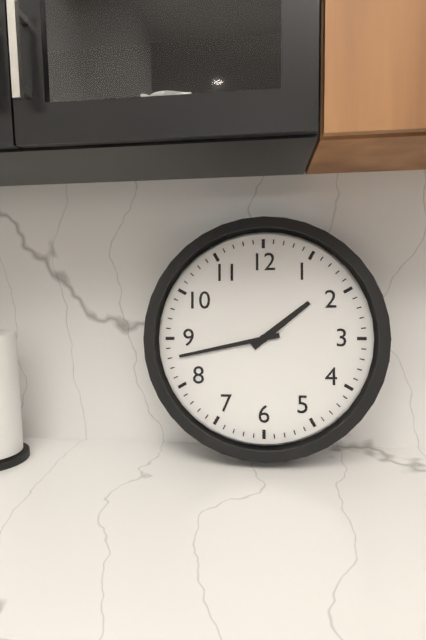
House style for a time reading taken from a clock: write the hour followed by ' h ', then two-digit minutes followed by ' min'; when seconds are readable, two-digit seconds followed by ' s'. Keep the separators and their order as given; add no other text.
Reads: 1 h 43 min
